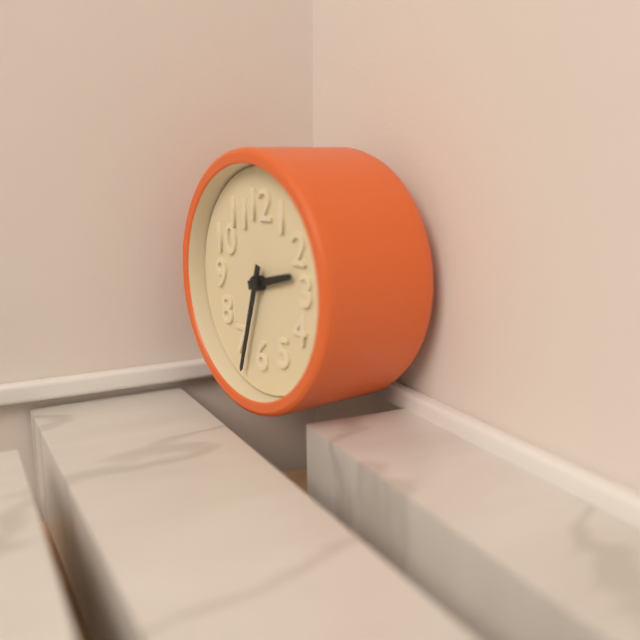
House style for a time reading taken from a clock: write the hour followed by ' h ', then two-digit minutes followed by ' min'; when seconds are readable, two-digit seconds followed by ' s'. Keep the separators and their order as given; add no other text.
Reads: 2 h 33 min
